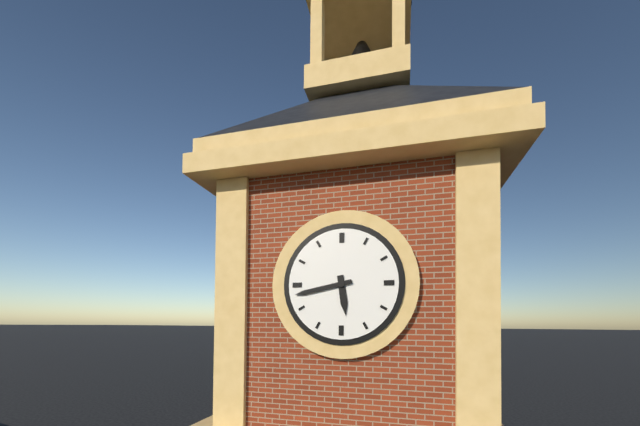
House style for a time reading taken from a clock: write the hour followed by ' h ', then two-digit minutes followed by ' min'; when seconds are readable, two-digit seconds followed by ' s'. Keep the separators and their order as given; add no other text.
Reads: 5 h 43 min
